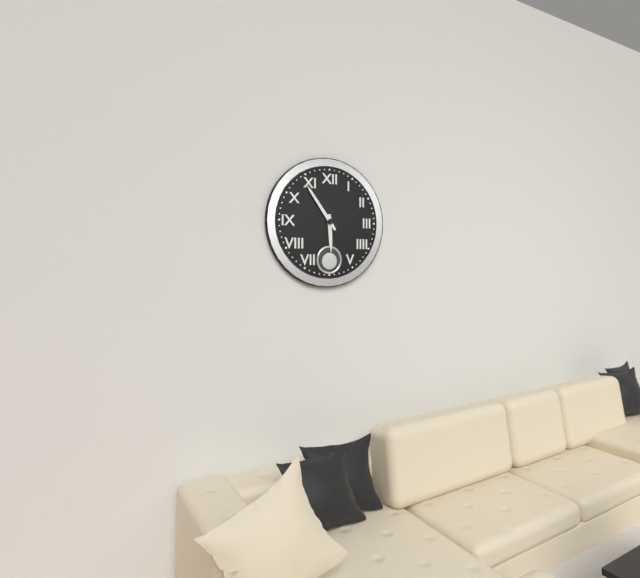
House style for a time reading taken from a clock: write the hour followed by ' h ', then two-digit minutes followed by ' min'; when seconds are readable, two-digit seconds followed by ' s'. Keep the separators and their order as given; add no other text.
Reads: 5 h 54 min
